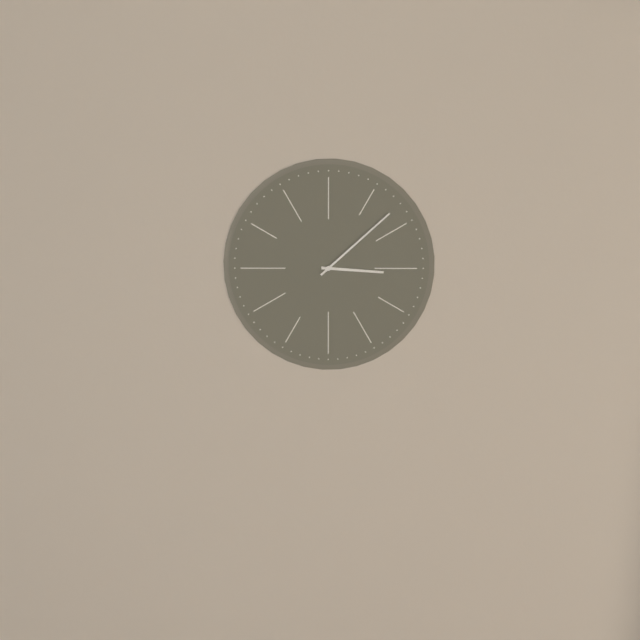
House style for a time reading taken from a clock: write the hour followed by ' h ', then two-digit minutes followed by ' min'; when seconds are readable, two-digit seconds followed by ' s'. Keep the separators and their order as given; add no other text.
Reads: 3 h 08 min
